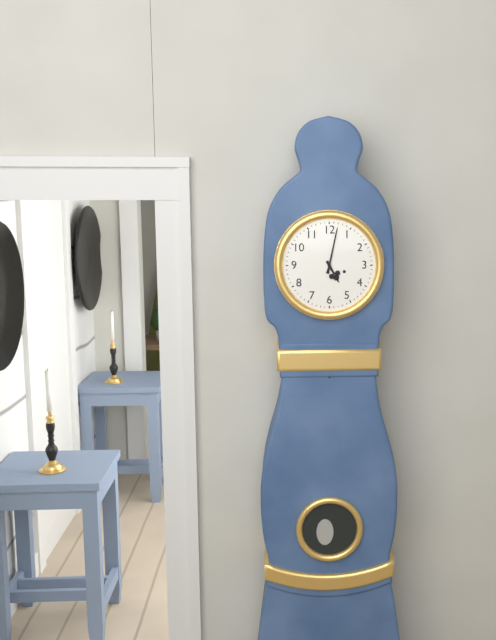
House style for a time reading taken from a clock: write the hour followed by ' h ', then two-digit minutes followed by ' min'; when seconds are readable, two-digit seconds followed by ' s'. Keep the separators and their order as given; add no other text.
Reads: 5 h 02 min
